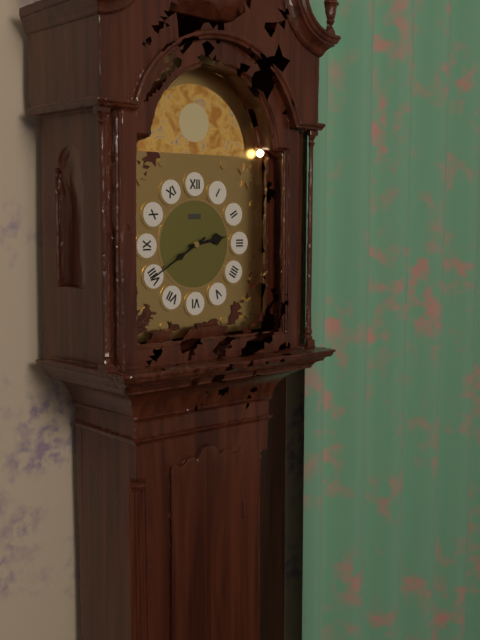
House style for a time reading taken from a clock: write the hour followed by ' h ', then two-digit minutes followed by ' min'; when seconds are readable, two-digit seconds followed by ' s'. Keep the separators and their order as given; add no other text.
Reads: 2 h 40 min
